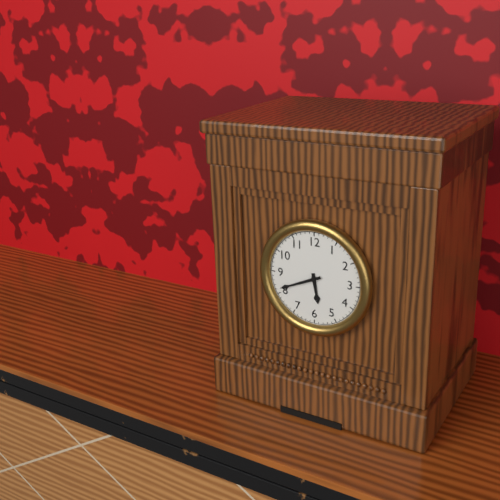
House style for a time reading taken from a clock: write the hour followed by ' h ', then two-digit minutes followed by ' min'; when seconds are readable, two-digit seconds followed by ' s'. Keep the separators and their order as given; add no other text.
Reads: 5 h 41 min
